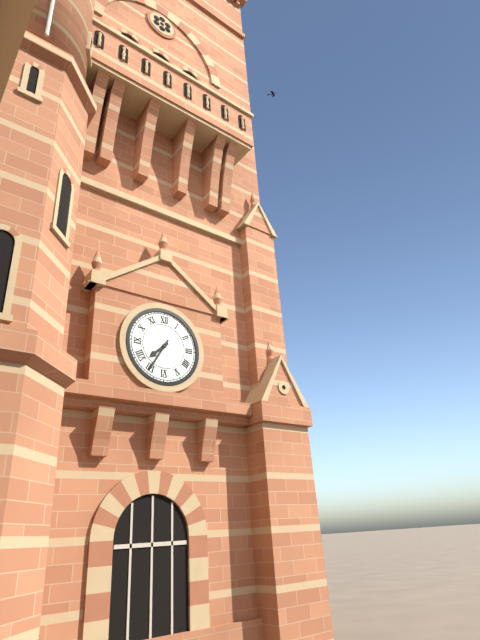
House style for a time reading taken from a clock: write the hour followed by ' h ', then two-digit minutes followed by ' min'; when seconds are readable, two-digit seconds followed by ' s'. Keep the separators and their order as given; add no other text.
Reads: 7 h 35 min
